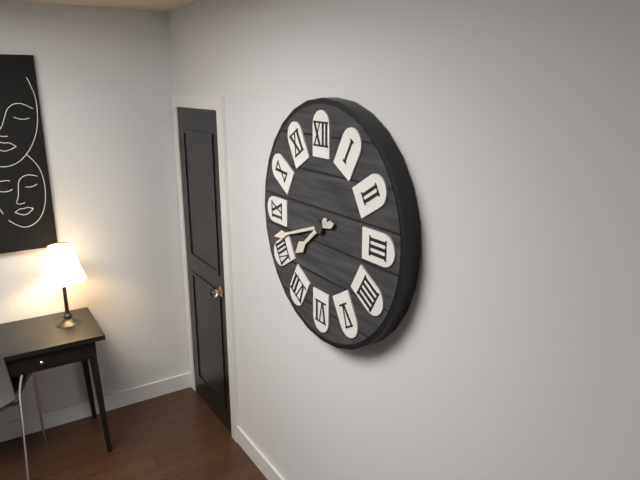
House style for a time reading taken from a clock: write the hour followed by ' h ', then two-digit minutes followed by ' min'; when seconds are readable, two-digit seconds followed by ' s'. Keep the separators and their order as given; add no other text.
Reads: 7 h 42 min
